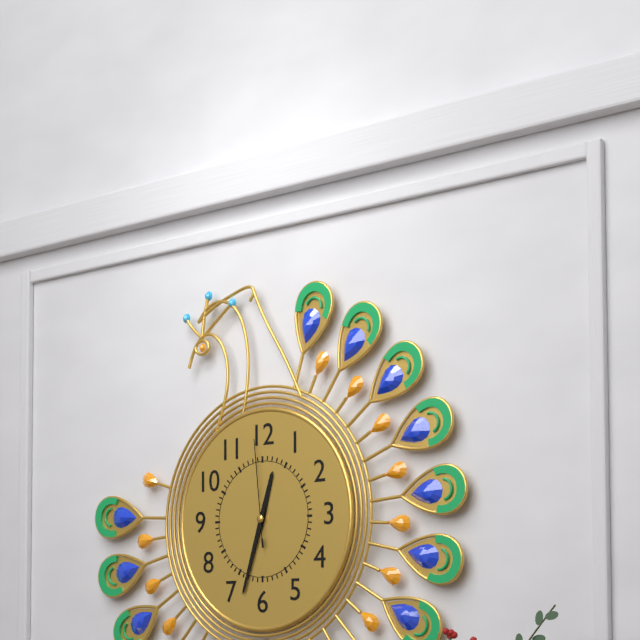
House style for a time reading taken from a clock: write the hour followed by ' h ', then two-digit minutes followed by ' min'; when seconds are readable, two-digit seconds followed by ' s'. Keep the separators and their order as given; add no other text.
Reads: 12 h 33 min 59 s
